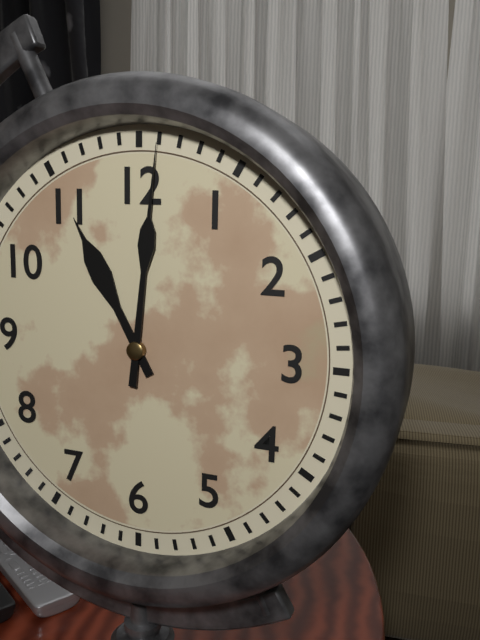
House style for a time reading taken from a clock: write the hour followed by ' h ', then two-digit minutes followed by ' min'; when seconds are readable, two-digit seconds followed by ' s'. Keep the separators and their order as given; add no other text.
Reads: 11 h 01 min
